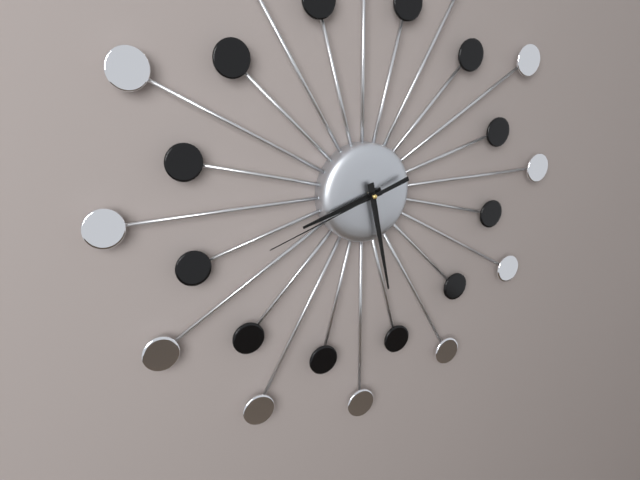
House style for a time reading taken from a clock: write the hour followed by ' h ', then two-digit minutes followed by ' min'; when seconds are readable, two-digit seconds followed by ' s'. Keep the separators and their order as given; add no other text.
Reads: 8 h 28 min 42 s
